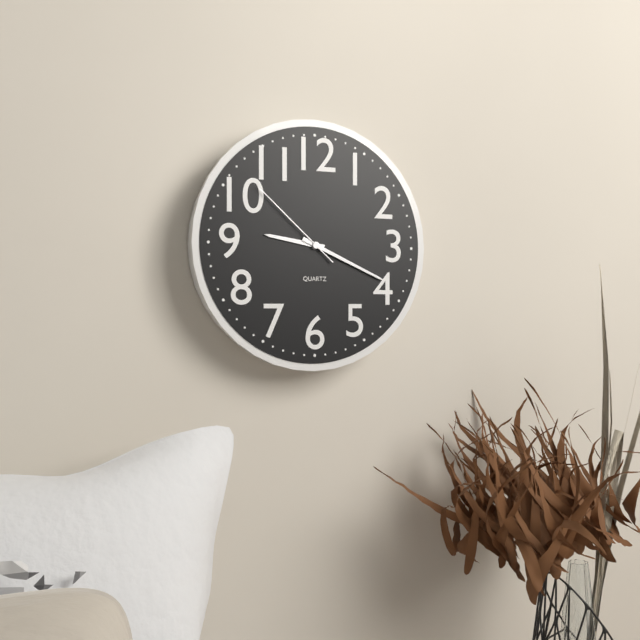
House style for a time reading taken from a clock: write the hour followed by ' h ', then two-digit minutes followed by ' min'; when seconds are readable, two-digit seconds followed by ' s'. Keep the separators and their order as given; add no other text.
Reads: 9 h 19 min 52 s
